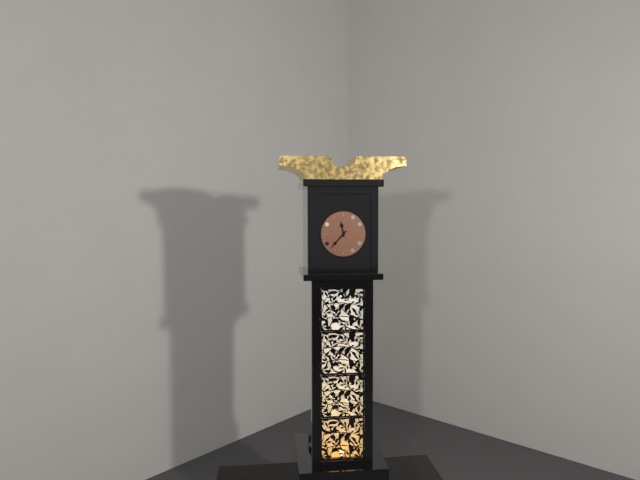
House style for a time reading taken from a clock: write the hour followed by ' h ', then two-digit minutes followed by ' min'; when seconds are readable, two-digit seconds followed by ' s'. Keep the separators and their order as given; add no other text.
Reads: 11 h 37 min
